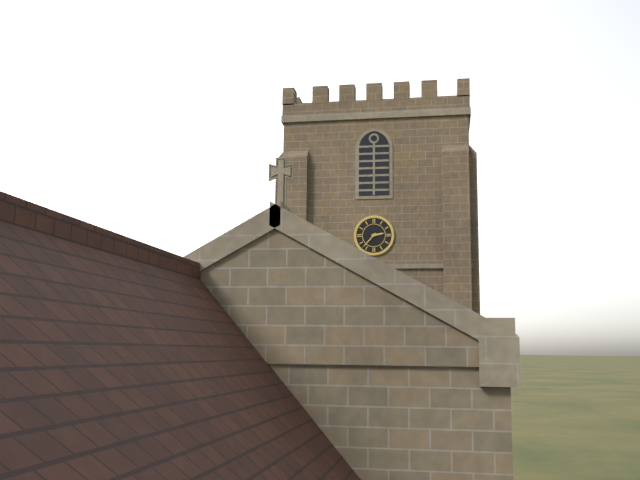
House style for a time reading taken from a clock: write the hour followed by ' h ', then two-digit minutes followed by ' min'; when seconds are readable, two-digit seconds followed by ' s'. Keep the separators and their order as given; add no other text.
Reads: 2 h 37 min
